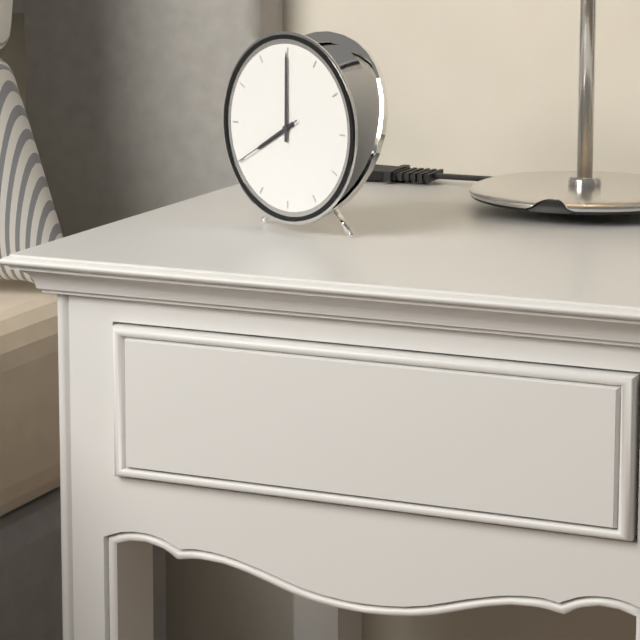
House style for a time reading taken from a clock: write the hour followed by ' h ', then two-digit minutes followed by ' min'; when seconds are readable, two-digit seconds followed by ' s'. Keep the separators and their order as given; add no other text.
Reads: 8 h 00 min 40 s
